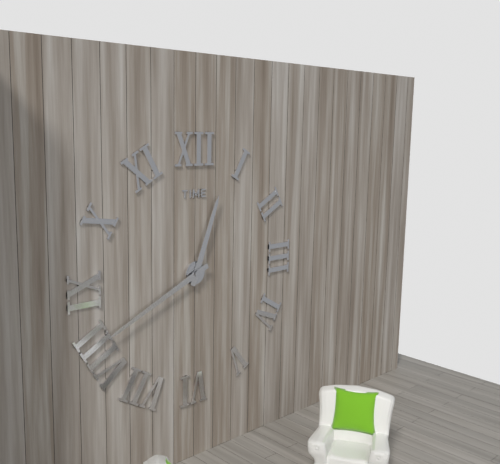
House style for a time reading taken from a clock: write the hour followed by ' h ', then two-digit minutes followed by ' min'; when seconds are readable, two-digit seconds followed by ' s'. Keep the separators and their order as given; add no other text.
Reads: 12 h 41 min
